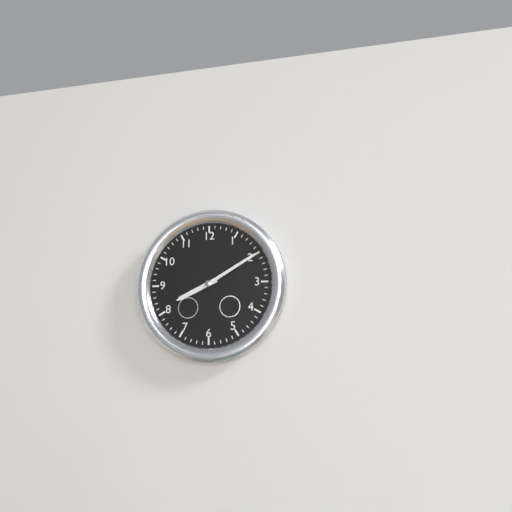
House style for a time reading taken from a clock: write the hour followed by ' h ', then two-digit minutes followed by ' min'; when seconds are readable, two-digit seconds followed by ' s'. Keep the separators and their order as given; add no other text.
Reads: 8 h 10 min
